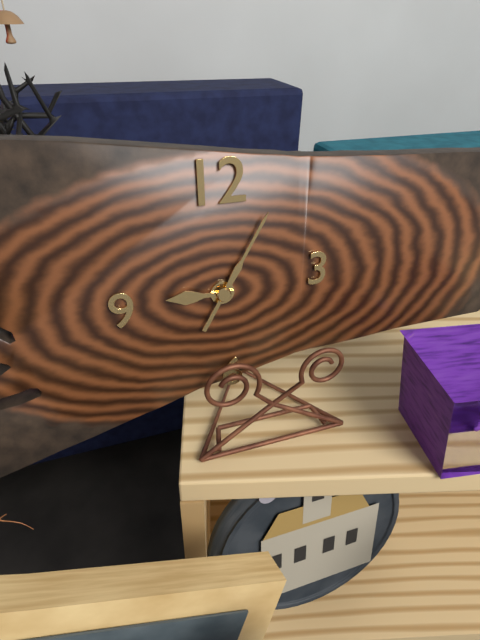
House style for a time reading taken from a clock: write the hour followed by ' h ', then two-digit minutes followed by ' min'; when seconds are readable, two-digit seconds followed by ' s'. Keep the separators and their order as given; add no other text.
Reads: 9 h 05 min
